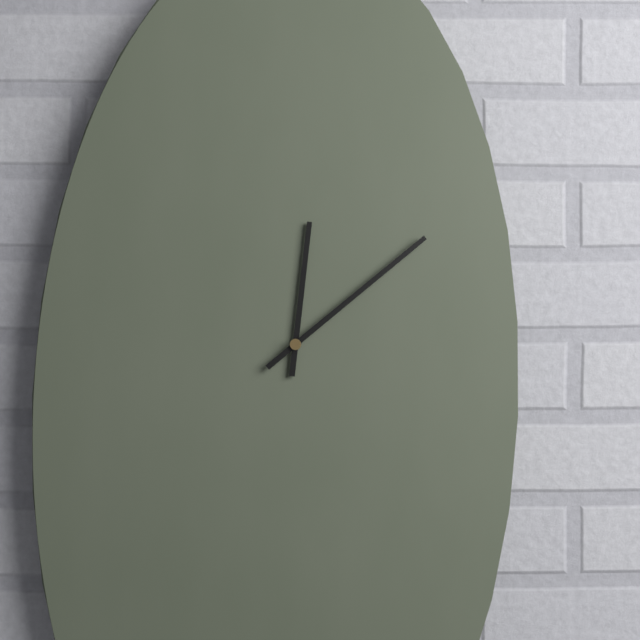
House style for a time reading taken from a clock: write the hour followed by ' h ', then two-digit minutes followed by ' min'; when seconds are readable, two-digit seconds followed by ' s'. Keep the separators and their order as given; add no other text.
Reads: 12 h 08 min
